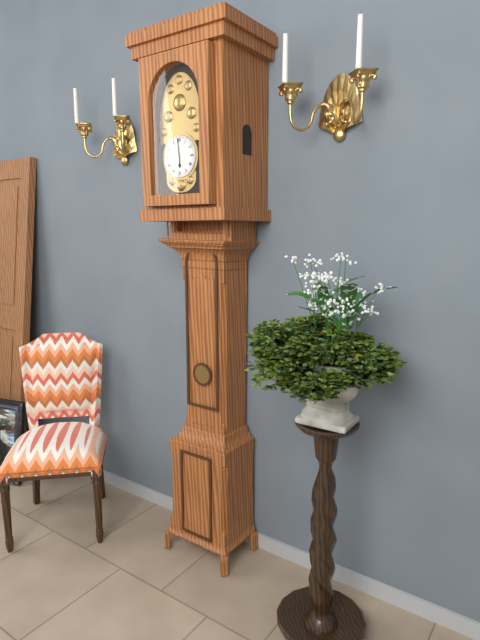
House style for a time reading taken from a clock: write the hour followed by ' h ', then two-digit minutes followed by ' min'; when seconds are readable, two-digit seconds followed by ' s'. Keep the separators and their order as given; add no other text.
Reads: 5 h 59 min
